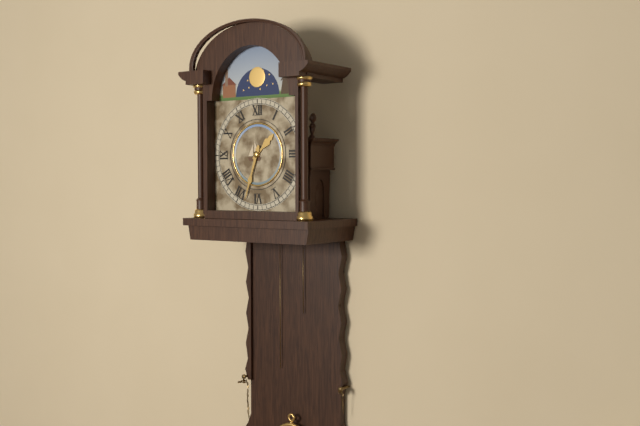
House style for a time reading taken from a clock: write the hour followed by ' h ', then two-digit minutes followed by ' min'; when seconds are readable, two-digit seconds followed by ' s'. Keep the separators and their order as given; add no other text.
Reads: 1 h 33 min
